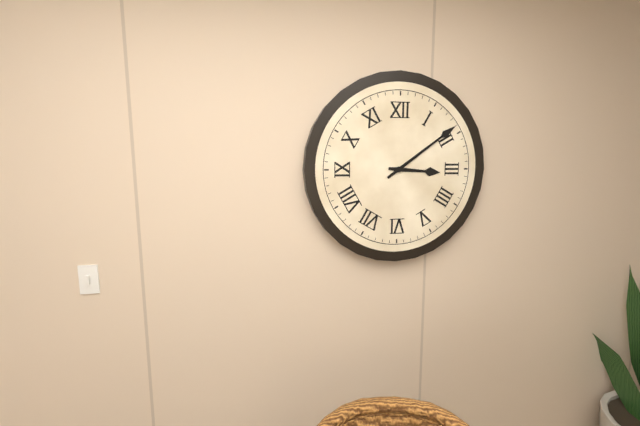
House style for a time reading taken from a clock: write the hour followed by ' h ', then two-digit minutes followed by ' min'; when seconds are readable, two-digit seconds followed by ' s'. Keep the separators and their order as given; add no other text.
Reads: 3 h 09 min
